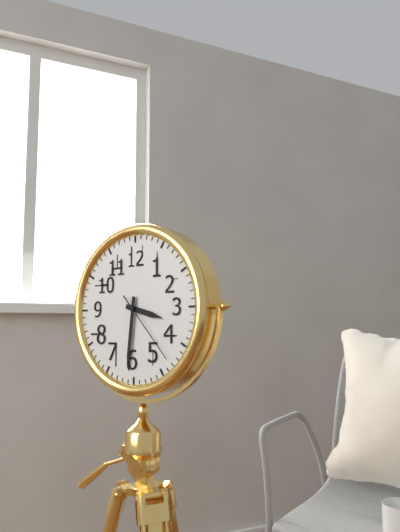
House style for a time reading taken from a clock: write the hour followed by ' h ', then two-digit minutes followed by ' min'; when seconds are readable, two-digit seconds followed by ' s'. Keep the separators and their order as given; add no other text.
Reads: 3 h 31 min 23 s
